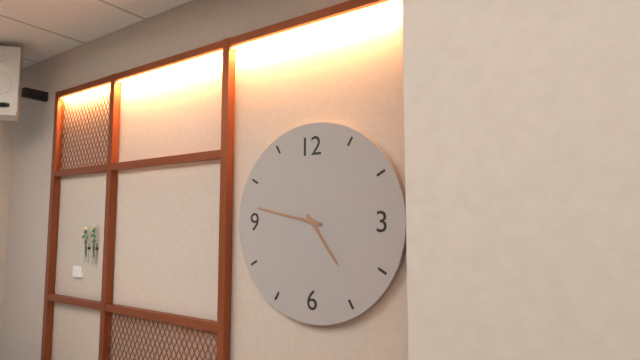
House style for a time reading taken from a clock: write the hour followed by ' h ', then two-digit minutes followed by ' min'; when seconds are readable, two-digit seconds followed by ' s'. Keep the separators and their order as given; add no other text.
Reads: 4 h 47 min
